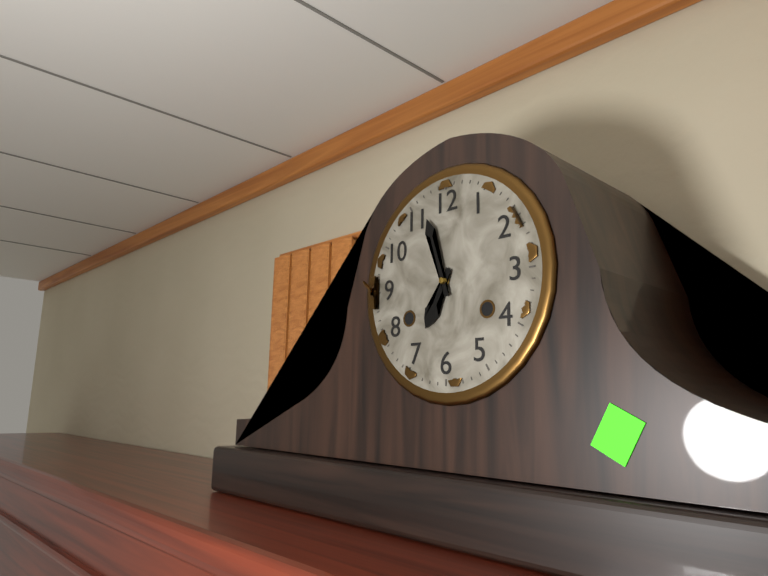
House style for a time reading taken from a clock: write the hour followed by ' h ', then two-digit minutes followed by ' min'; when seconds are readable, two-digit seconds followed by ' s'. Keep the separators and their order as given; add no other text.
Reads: 6 h 57 min
